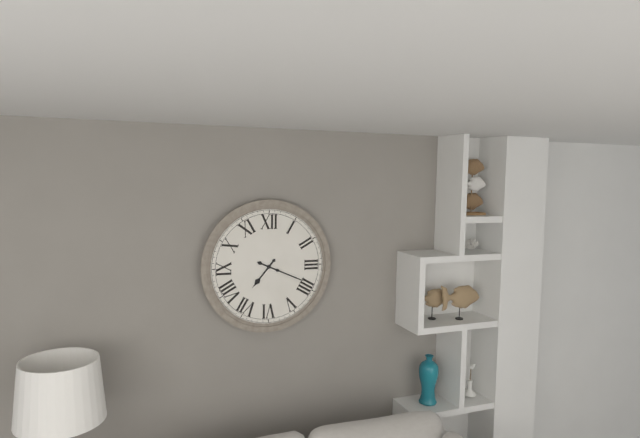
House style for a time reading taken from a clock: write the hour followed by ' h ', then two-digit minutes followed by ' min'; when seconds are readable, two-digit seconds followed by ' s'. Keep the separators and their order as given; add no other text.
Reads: 7 h 19 min
